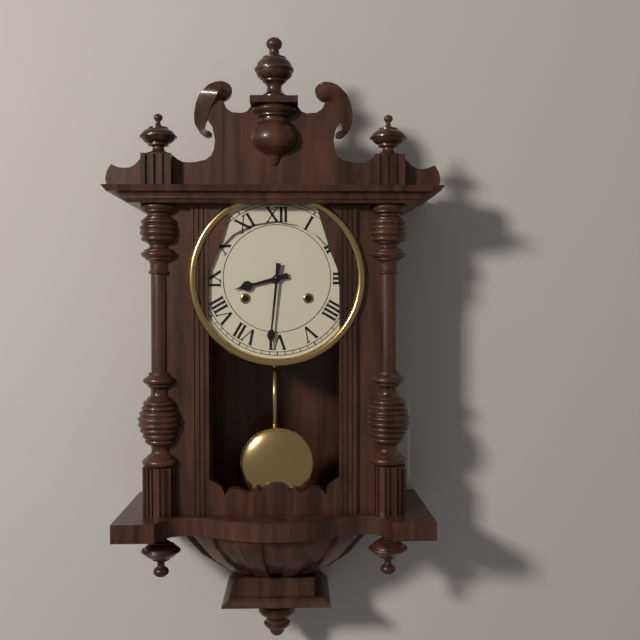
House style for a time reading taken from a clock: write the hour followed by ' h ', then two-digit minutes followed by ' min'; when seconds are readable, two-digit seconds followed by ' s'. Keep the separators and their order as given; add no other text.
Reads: 8 h 31 min
